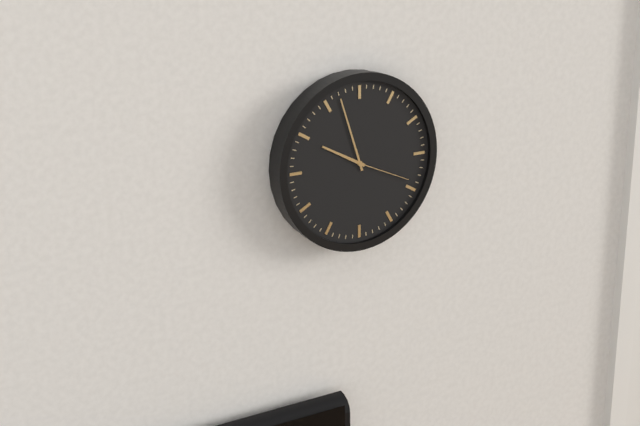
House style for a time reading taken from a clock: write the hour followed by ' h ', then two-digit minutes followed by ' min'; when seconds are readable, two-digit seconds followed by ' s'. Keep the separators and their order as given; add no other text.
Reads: 9 h 57 min 19 s
